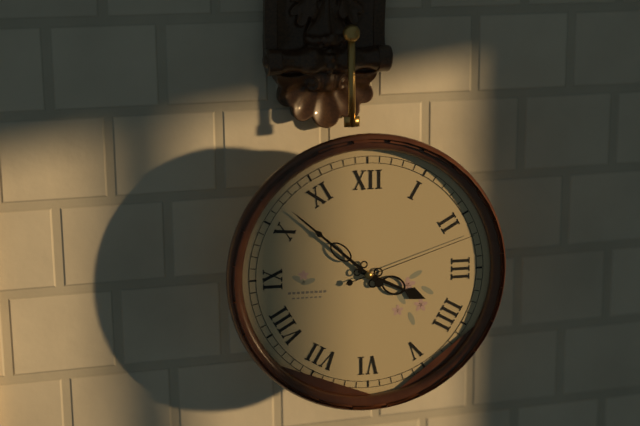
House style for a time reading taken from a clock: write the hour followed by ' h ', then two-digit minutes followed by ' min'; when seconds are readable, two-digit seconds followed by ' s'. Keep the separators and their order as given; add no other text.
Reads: 3 h 52 min 12 s
